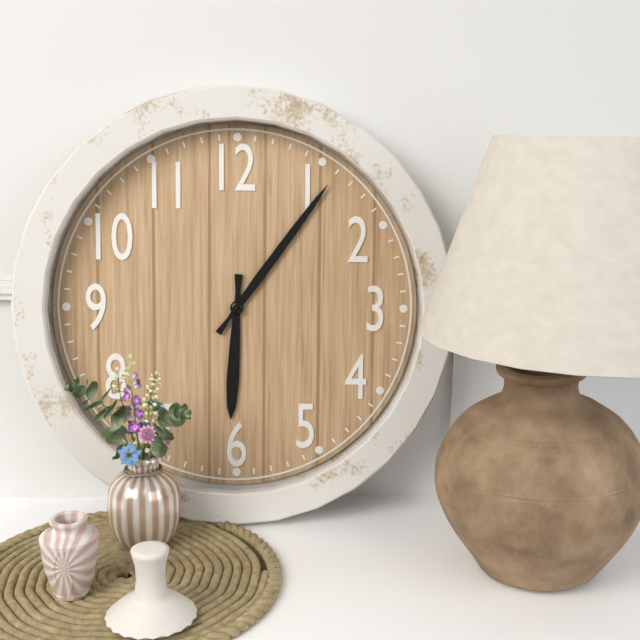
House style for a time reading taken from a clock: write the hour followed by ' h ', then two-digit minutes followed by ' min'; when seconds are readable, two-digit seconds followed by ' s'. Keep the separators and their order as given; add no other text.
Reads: 6 h 06 min
